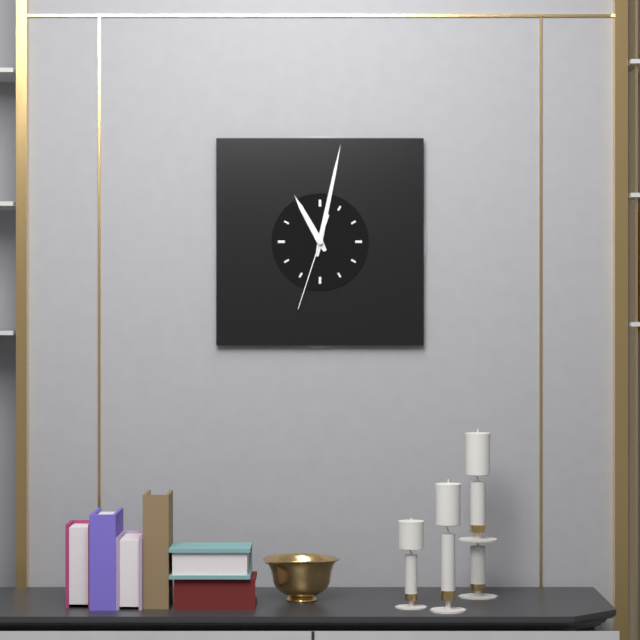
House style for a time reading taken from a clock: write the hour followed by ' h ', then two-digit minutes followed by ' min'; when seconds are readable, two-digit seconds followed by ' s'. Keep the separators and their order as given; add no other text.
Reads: 11 h 02 min 33 s
